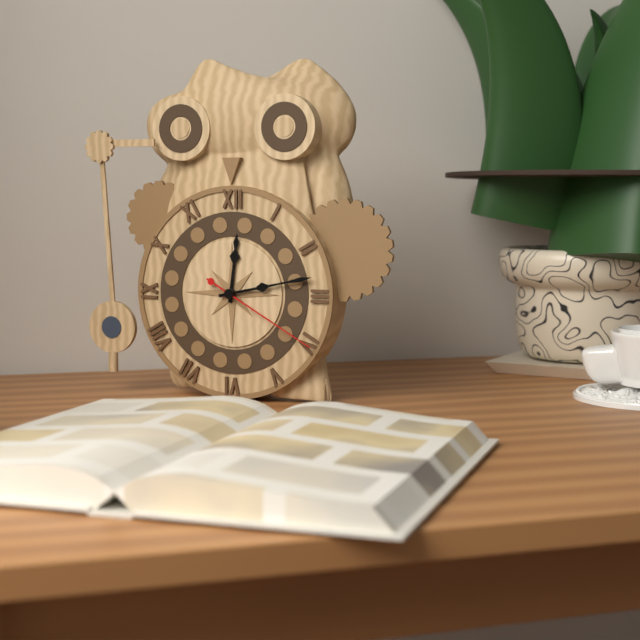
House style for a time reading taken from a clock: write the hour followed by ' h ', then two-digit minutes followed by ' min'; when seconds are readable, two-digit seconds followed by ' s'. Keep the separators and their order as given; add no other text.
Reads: 12 h 13 min 20 s
